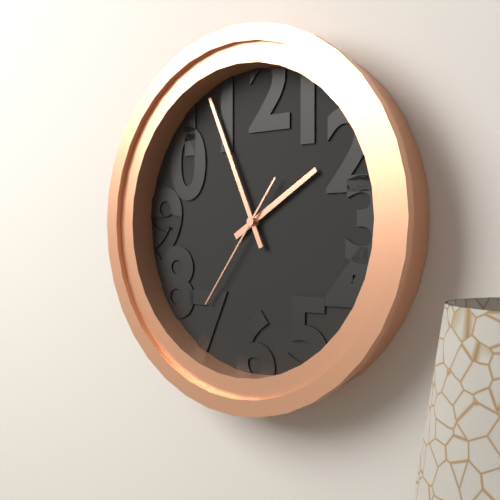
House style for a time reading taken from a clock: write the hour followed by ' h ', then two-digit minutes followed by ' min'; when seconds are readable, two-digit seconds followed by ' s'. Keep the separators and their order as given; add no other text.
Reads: 1 h 56 min 36 s
